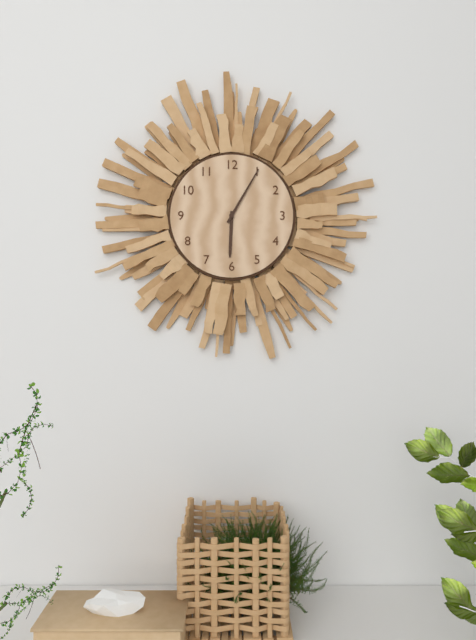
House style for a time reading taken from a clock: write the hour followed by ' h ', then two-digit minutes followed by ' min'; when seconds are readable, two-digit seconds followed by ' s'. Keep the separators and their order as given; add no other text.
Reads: 6 h 05 min
